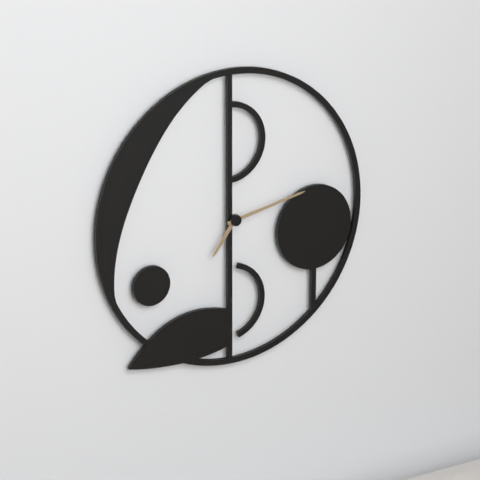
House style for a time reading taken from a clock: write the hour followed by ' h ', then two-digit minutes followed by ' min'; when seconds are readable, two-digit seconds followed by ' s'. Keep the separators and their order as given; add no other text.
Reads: 7 h 13 min
